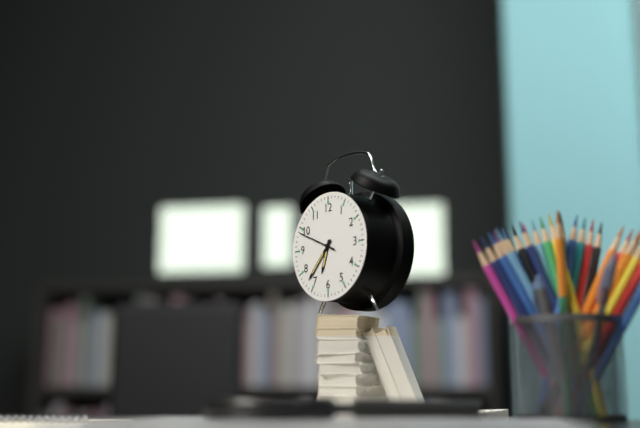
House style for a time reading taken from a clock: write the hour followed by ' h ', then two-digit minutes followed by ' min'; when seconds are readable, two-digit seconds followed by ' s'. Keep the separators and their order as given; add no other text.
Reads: 6 h 37 min
